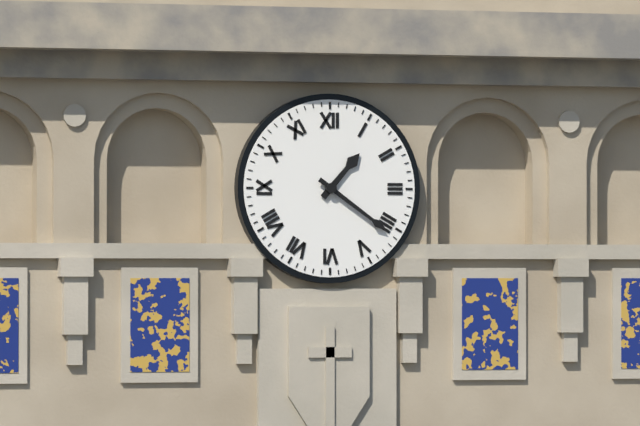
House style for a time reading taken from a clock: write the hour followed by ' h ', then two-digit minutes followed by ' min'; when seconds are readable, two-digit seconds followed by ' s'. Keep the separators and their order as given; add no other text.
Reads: 1 h 21 min
